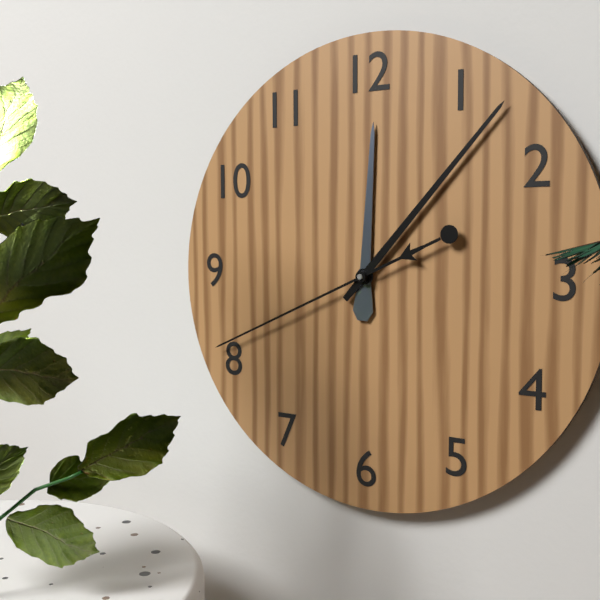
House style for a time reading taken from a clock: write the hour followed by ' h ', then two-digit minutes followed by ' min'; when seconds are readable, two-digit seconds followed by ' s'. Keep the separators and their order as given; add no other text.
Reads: 12 h 07 min 41 s
